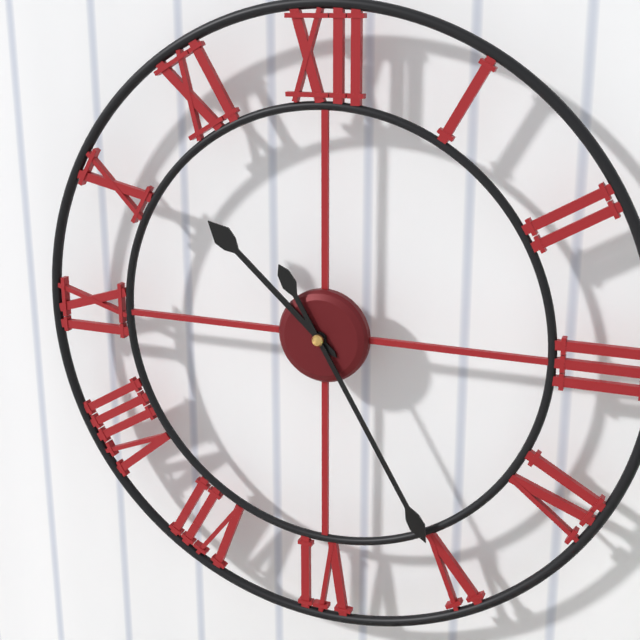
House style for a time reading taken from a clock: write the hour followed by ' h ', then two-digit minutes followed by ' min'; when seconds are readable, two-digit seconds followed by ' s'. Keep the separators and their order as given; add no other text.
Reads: 10 h 25 min
